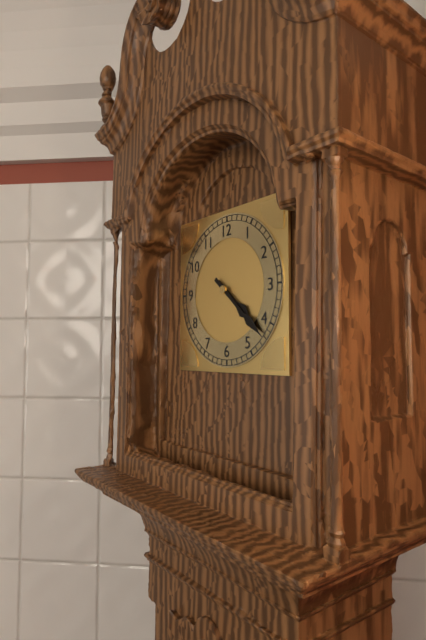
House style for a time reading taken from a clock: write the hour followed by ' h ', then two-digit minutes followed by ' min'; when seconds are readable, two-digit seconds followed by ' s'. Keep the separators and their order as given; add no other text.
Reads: 4 h 22 min
